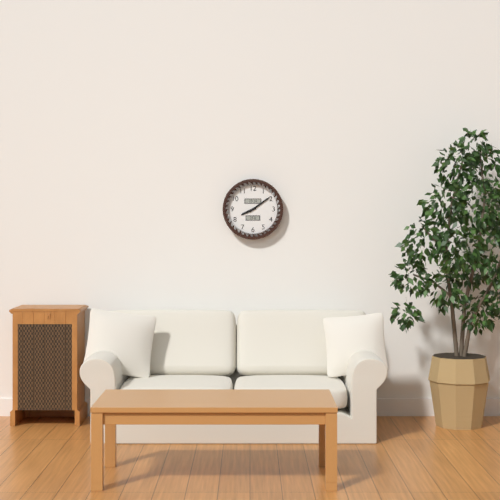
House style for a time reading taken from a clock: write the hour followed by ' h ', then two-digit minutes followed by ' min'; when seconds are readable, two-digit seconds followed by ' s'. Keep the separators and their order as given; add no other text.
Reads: 8 h 09 min
